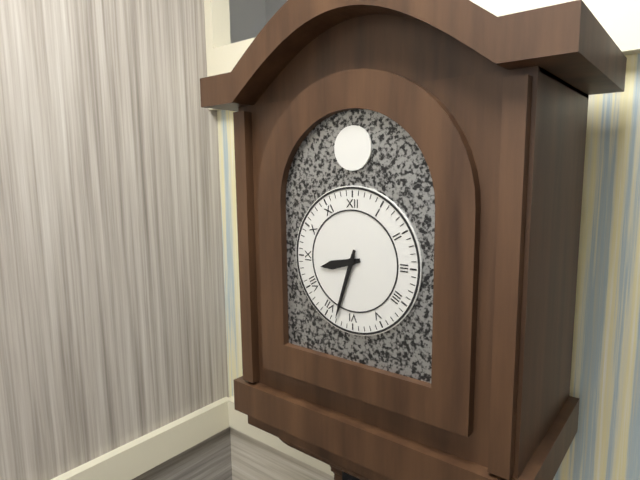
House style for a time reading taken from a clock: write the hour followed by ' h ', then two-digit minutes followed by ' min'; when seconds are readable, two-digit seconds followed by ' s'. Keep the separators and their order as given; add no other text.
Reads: 8 h 33 min
